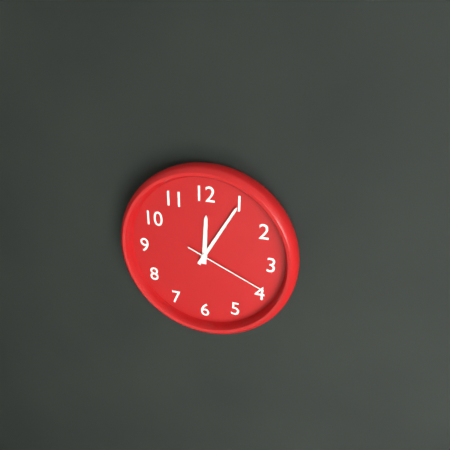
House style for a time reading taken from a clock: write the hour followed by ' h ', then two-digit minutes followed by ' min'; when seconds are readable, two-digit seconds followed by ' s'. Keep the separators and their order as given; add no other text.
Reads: 12 h 05 min 19 s
